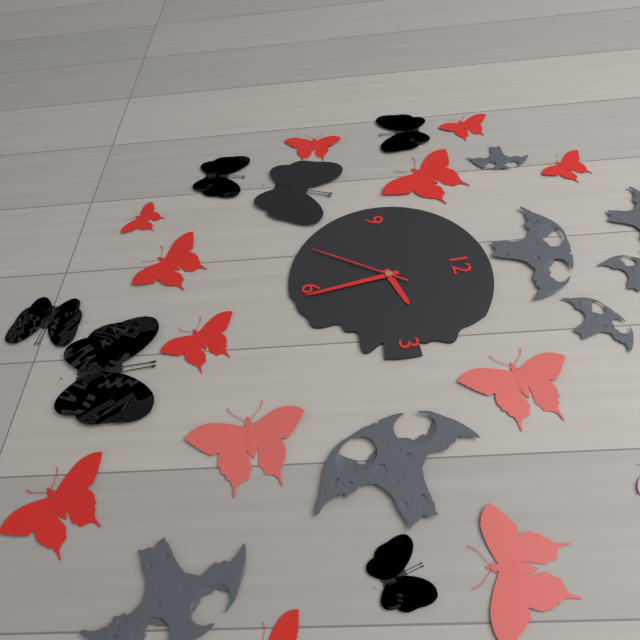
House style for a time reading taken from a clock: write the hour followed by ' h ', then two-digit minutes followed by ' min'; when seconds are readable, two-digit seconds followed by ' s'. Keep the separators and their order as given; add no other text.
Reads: 2 h 29 min 36 s
